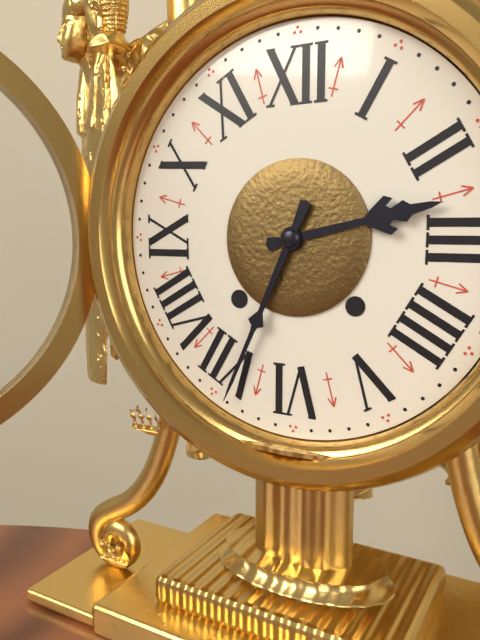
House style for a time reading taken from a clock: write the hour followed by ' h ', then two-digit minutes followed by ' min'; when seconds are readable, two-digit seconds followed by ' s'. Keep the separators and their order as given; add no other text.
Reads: 2 h 34 min
